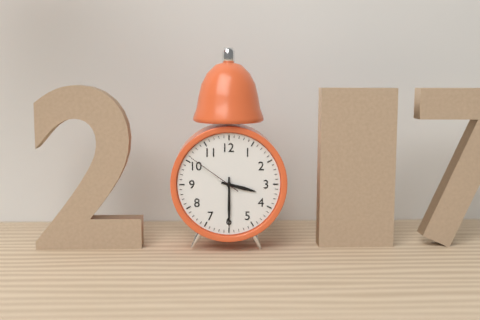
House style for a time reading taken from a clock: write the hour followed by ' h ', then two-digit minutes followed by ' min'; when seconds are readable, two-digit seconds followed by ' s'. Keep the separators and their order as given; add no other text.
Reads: 3 h 30 min 51 s
